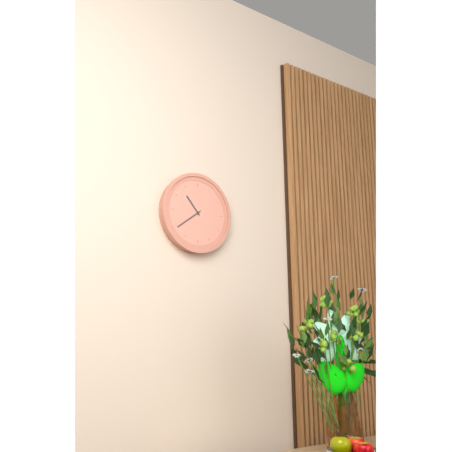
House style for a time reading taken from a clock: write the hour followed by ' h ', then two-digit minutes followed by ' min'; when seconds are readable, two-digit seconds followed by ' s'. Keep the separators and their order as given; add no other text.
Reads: 10 h 39 min
